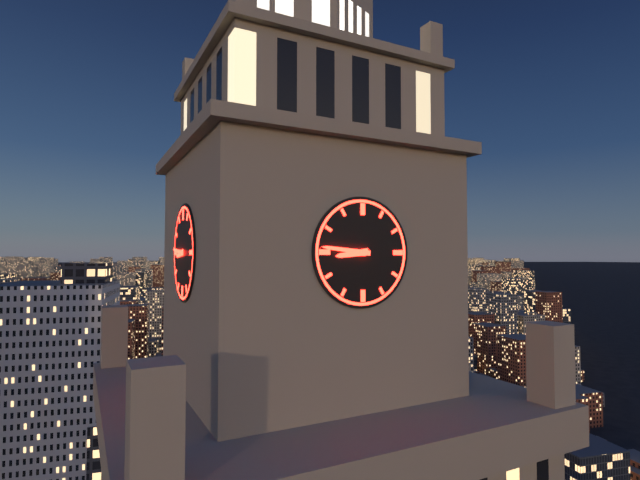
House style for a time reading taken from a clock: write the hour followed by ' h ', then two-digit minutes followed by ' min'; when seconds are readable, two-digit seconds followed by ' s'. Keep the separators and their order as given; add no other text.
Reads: 8 h 46 min
